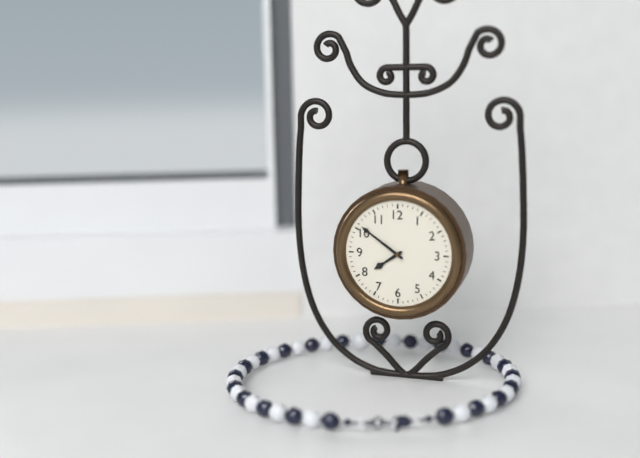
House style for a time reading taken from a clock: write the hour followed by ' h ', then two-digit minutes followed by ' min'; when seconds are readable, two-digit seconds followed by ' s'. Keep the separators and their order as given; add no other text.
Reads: 7 h 51 min
